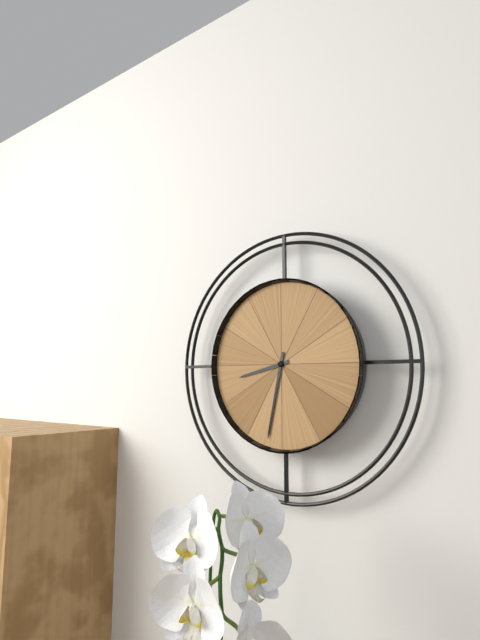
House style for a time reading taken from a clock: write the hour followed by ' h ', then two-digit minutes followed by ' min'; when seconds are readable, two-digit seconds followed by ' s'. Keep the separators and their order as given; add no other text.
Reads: 8 h 32 min
